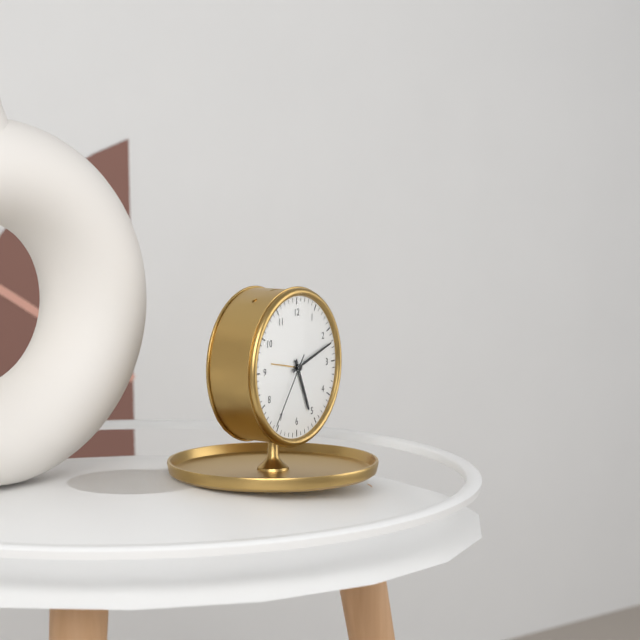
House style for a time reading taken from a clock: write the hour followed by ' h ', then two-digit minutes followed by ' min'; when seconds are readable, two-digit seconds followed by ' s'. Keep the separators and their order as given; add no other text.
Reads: 5 h 12 min 36 s
